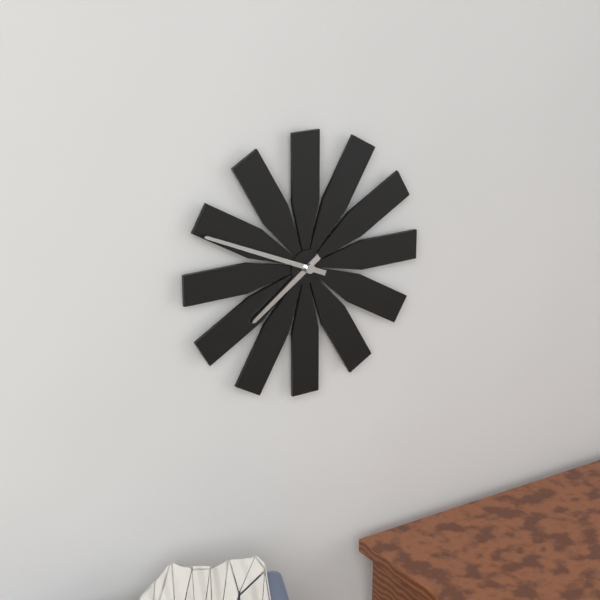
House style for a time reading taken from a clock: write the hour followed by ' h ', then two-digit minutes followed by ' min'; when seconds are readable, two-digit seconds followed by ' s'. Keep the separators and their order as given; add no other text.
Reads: 7 h 49 min
